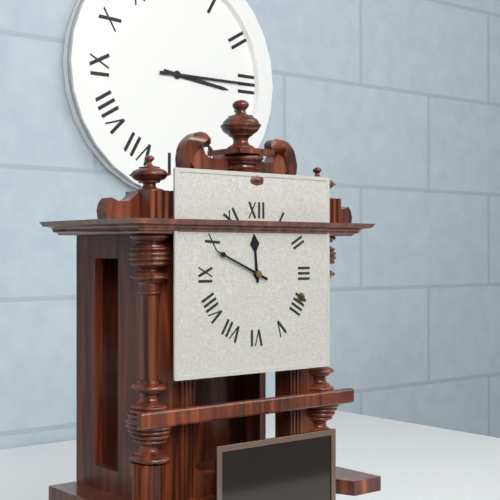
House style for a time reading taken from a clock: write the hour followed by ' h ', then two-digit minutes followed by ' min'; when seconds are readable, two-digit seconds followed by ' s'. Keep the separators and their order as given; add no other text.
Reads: 11 h 49 min
